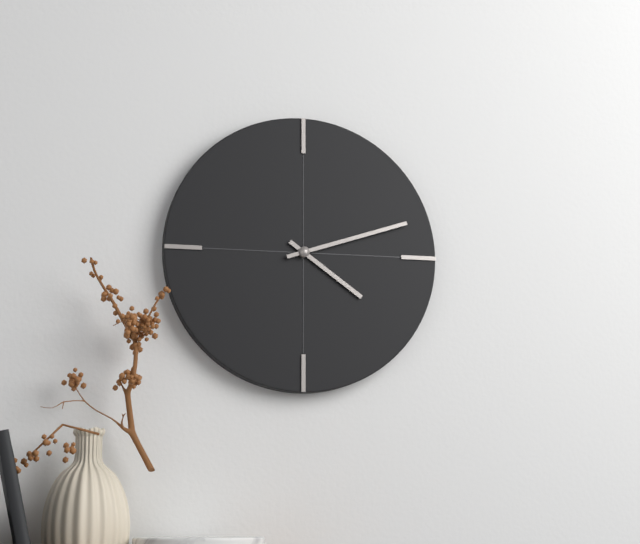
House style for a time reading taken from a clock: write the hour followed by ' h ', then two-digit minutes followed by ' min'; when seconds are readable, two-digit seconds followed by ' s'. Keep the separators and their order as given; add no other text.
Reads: 4 h 12 min
